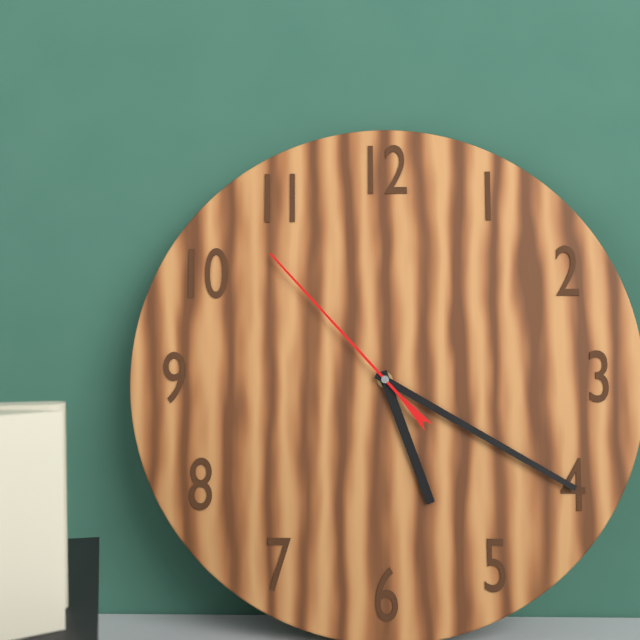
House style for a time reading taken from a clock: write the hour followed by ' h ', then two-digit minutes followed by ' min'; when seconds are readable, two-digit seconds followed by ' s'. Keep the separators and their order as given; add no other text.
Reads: 5 h 20 min 53 s
